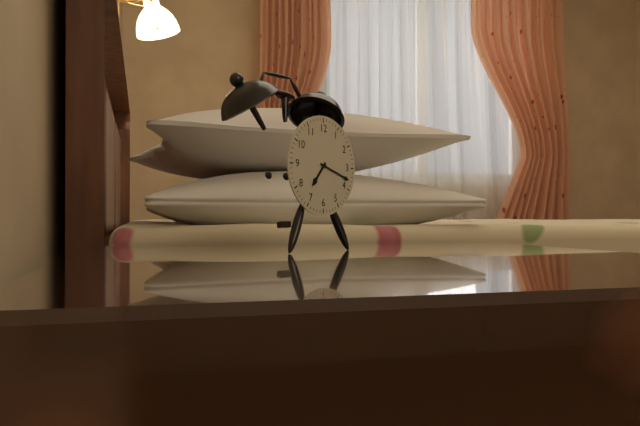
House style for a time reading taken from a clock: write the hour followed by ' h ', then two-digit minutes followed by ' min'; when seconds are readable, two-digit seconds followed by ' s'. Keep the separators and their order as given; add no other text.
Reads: 7 h 18 min
